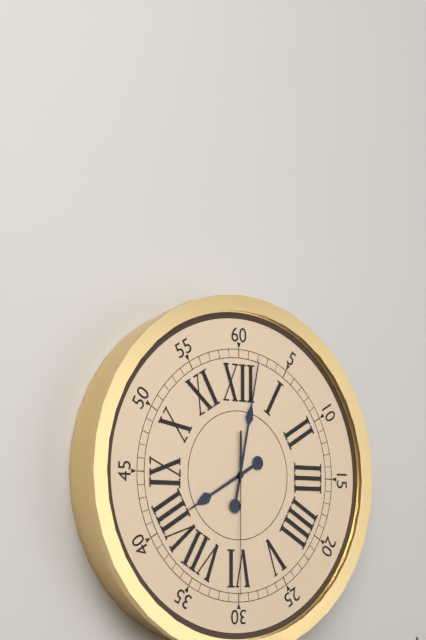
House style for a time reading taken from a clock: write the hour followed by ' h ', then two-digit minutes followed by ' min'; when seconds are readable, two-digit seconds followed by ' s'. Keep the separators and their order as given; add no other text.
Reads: 8 h 02 min 30 s
